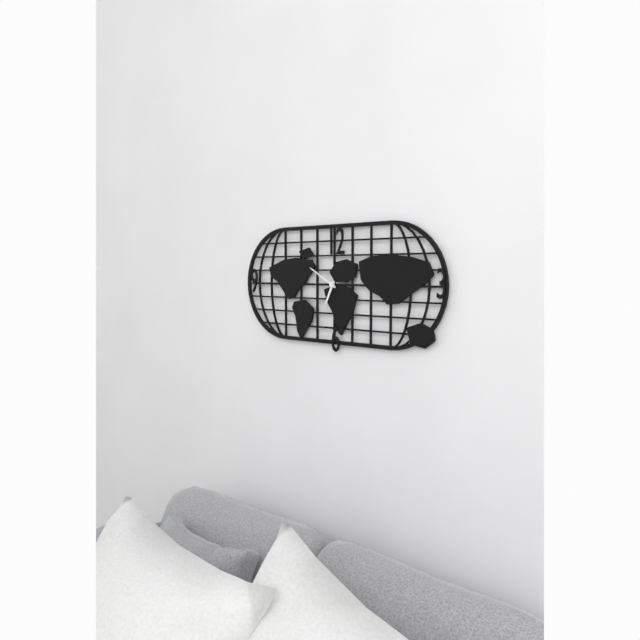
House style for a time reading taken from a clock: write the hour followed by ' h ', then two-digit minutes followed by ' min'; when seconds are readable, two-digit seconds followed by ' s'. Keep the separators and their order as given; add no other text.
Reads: 6 h 50 min
